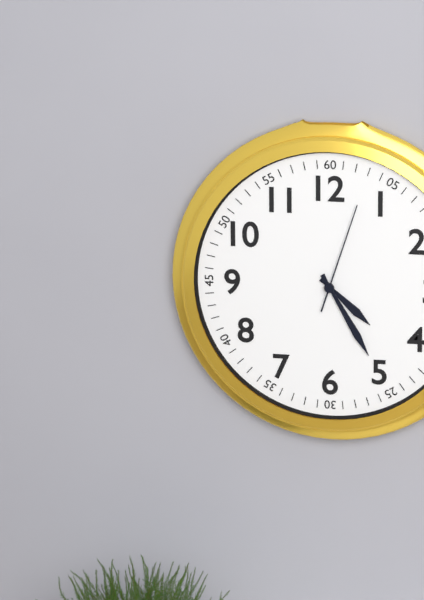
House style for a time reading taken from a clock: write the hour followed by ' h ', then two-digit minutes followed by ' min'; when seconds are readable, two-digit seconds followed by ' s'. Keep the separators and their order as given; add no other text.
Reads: 4 h 25 min 03 s
